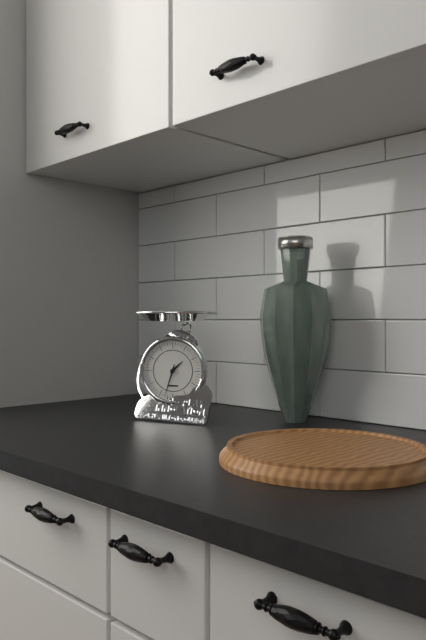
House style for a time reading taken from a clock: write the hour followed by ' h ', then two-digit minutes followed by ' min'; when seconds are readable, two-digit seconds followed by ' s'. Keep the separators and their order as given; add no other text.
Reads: 1 h 33 min
